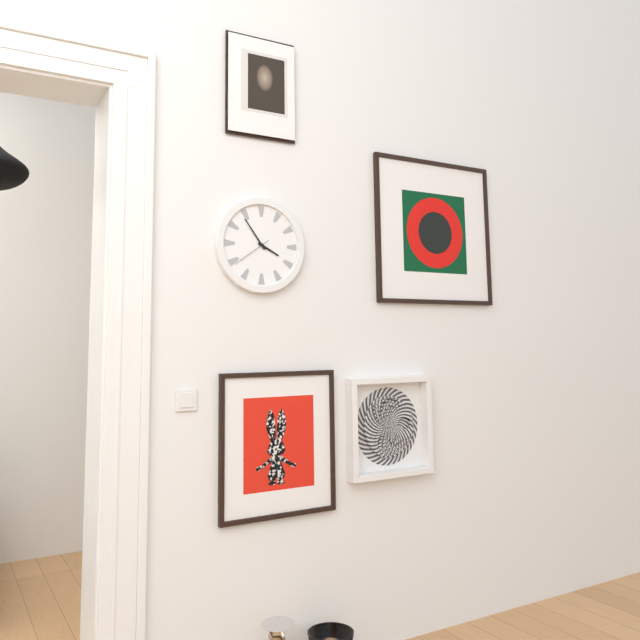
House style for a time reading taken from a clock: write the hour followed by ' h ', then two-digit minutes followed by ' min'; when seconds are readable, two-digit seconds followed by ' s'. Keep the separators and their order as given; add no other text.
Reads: 3 h 54 min
